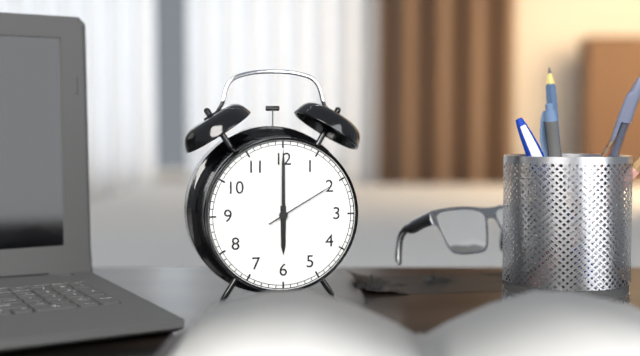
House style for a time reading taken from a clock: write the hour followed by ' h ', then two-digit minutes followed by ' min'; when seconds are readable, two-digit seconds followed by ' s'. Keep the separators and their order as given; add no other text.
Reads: 6 h 00 min 10 s
